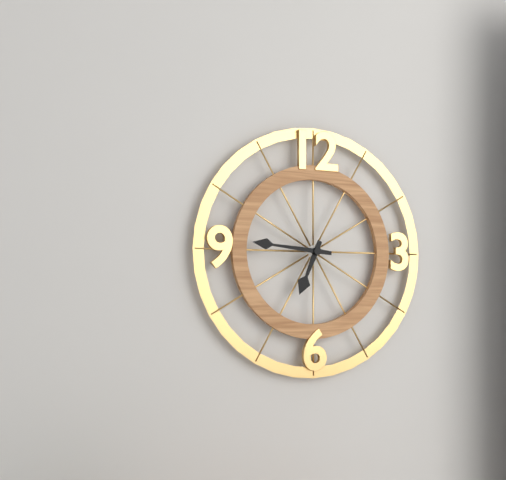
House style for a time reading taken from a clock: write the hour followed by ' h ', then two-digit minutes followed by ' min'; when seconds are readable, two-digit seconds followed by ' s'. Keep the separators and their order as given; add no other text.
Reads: 6 h 46 min
